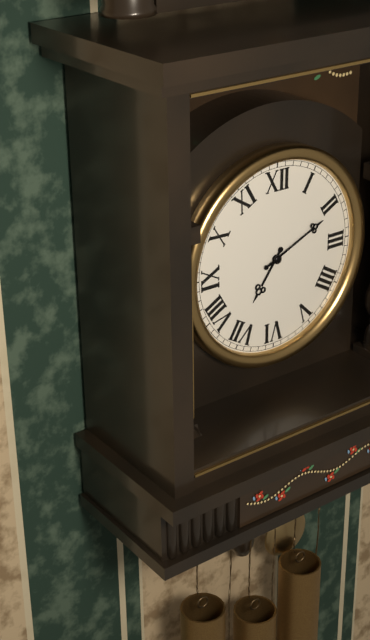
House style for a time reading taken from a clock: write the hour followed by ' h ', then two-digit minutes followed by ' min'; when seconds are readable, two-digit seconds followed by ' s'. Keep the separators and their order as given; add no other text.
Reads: 7 h 11 min
